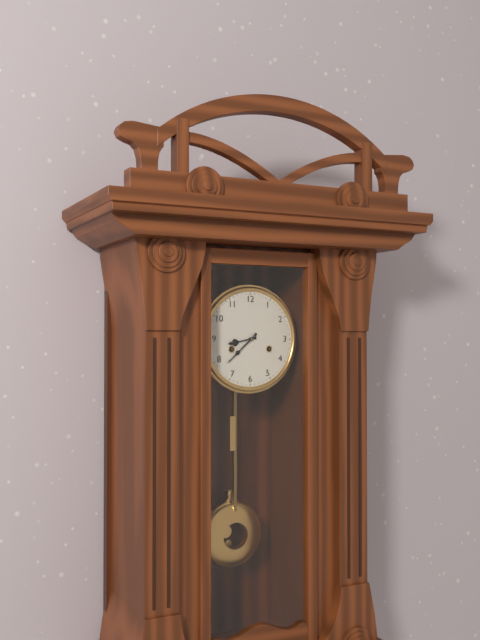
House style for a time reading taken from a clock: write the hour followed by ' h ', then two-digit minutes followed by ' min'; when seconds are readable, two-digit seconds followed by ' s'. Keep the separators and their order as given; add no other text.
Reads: 8 h 38 min
